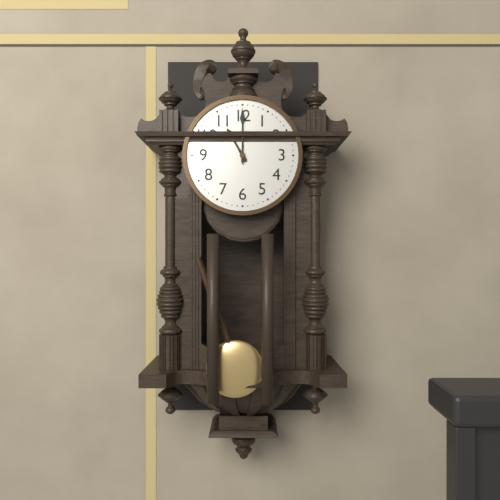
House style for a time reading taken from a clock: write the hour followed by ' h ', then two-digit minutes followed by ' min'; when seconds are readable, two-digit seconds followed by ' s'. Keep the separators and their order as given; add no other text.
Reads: 11 h 00 min
